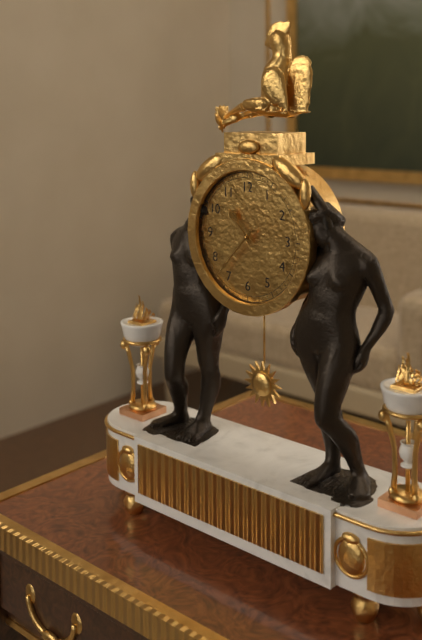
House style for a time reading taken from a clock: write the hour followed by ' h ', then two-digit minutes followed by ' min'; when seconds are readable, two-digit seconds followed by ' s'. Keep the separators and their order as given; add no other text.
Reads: 10 h 37 min
